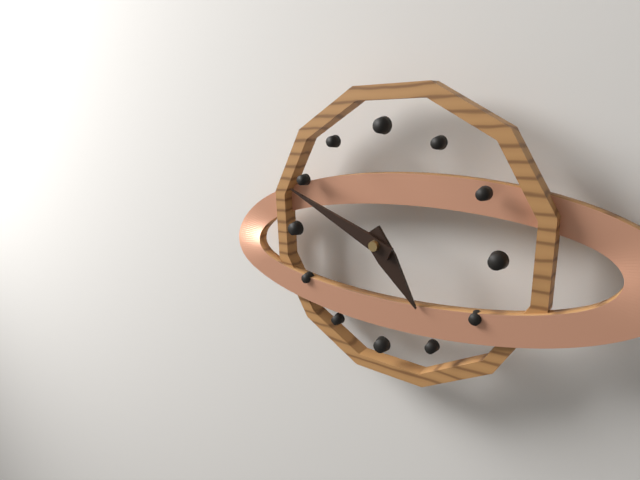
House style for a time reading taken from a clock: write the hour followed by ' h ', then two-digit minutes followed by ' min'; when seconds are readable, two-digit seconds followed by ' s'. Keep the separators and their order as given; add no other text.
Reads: 4 h 49 min
